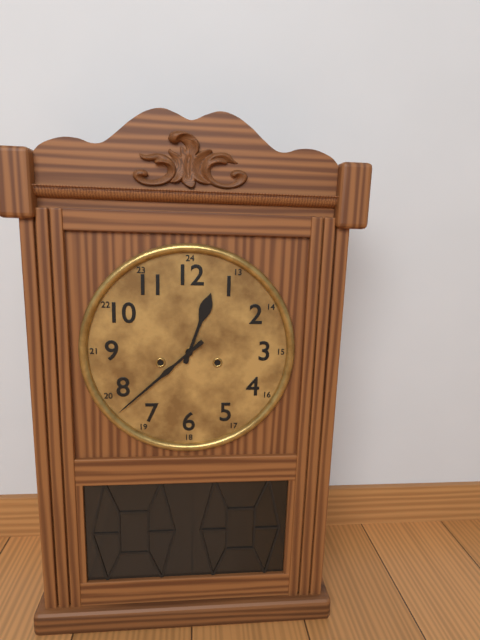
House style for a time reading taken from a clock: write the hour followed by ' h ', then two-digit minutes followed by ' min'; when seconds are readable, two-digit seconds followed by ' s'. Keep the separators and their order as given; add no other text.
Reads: 12 h 38 min
